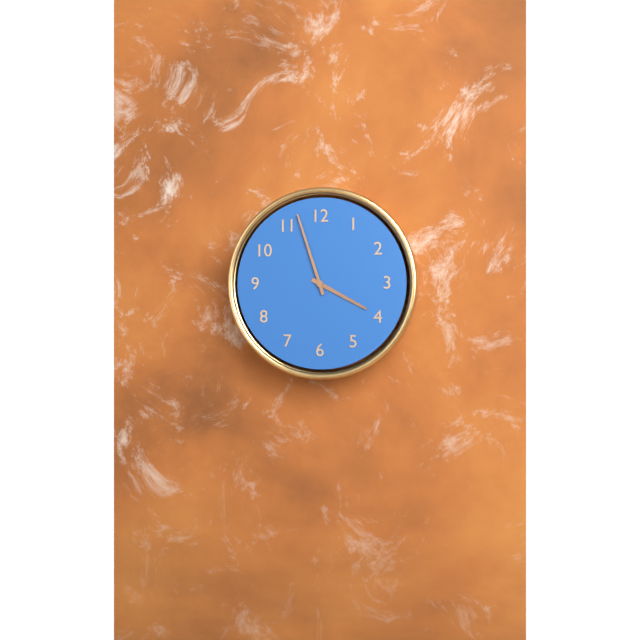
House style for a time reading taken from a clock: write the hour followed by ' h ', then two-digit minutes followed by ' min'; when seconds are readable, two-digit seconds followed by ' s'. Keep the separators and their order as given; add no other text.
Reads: 3 h 57 min
